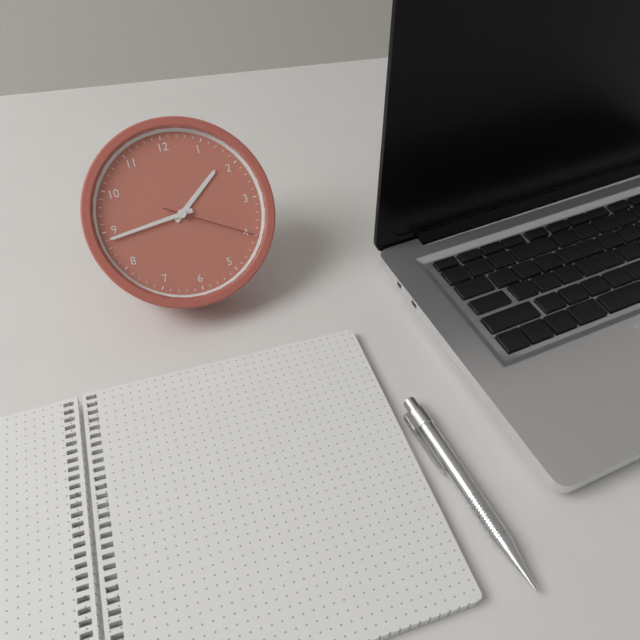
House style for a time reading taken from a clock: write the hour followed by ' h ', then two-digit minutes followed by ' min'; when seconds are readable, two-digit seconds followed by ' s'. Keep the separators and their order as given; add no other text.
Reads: 1 h 44 min 20 s
